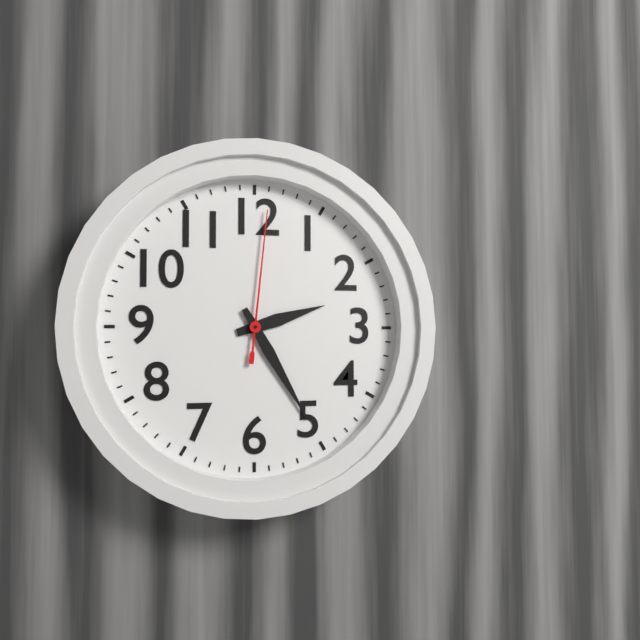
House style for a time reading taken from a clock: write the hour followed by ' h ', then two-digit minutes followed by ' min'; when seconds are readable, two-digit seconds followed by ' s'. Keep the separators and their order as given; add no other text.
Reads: 2 h 25 min 01 s
